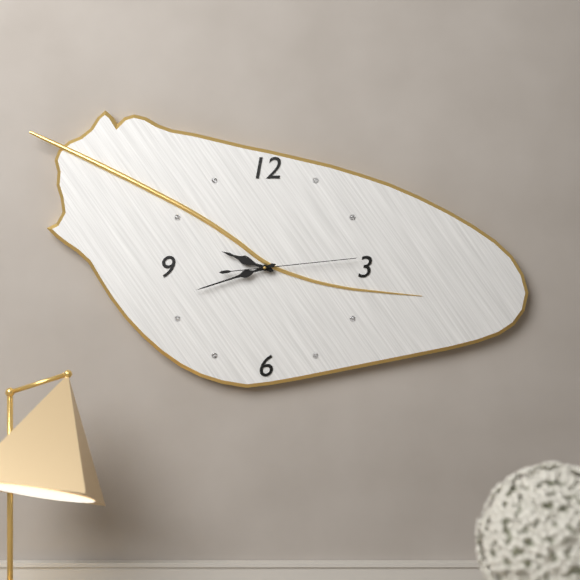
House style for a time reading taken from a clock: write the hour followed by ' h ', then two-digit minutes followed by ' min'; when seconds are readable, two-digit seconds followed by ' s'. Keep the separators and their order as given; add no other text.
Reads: 9 h 42 min 14 s
